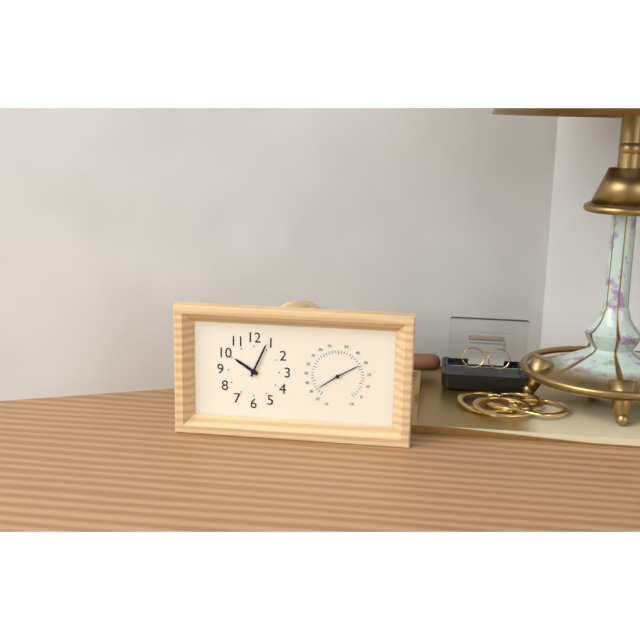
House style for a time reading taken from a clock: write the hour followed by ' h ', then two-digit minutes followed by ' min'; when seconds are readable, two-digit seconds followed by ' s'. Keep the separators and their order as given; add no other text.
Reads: 10 h 04 min
